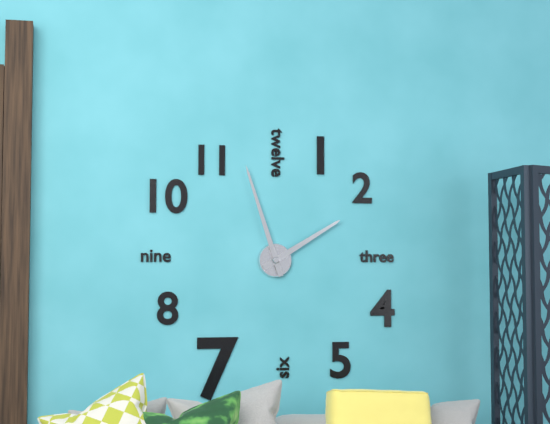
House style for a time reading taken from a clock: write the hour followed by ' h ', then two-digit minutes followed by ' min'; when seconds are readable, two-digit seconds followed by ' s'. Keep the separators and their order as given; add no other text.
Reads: 1 h 57 min
